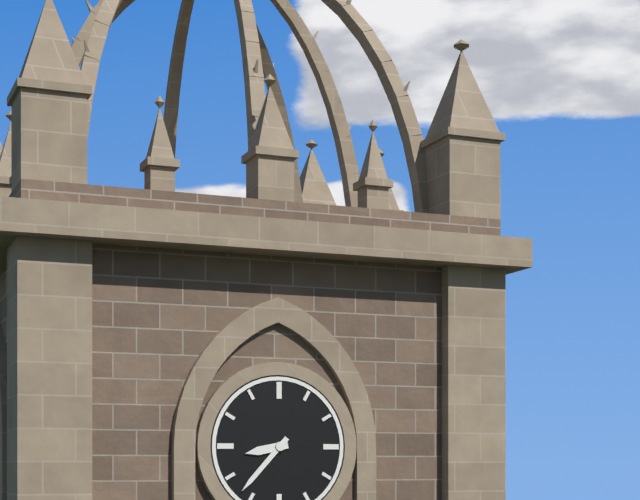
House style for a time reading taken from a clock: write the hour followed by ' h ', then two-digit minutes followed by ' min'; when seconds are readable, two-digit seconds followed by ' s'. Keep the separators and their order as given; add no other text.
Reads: 8 h 37 min
